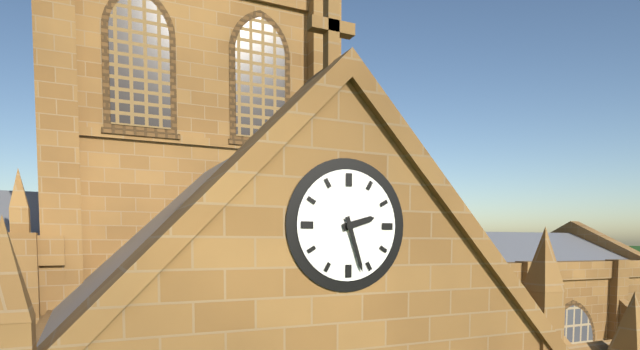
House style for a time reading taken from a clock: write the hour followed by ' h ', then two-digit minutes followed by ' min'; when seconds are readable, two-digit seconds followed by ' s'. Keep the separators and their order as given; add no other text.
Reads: 2 h 27 min
